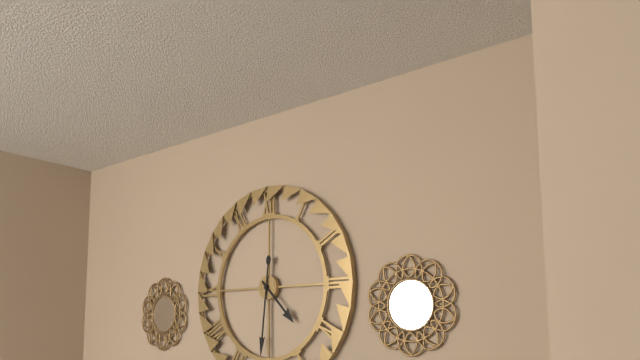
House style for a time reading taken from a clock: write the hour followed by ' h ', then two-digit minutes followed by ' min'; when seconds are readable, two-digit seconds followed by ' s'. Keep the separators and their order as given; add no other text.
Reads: 4 h 31 min
